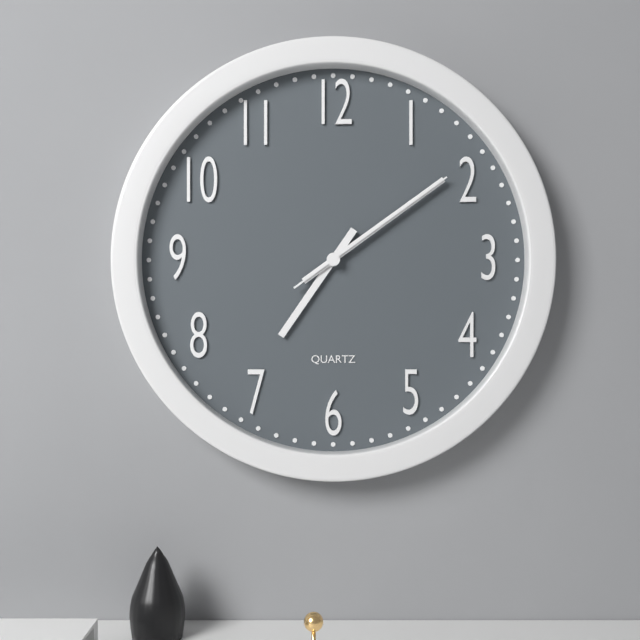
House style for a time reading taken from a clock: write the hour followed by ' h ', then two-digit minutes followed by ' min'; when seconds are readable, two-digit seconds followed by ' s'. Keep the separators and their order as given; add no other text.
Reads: 7 h 09 min 09 s
